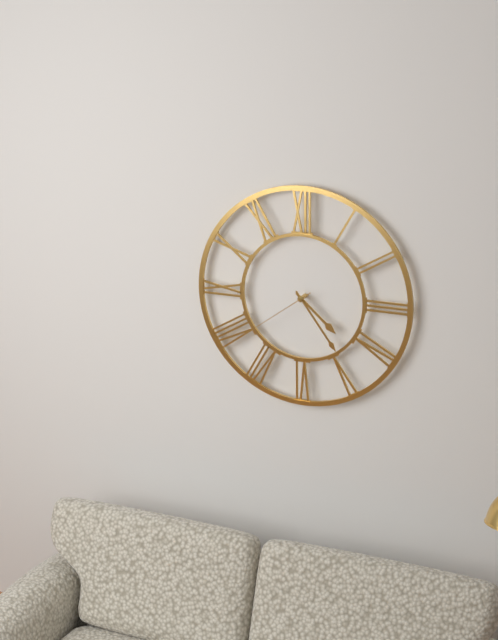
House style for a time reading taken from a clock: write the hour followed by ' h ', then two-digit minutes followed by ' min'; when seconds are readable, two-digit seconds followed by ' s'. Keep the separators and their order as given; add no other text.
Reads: 4 h 24 min 39 s
